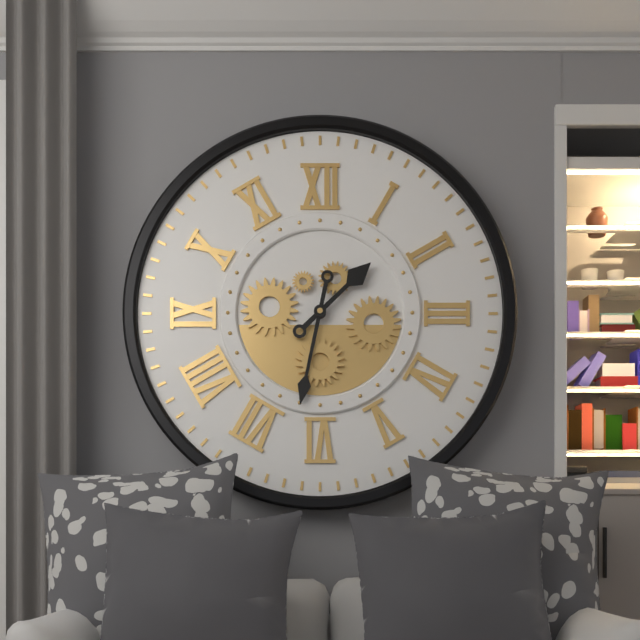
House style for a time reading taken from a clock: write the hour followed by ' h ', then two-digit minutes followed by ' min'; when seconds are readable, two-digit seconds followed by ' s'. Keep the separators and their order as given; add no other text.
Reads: 1 h 32 min
